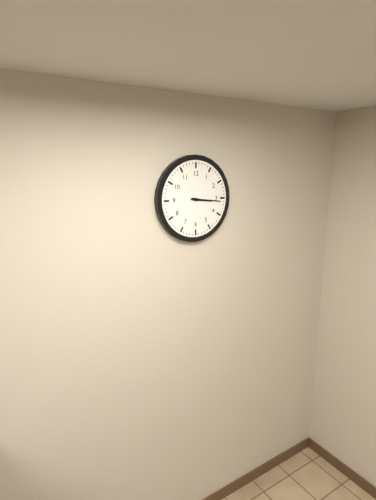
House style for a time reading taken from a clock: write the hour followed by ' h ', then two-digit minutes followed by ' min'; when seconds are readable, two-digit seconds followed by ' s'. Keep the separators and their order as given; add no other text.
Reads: 3 h 16 min
